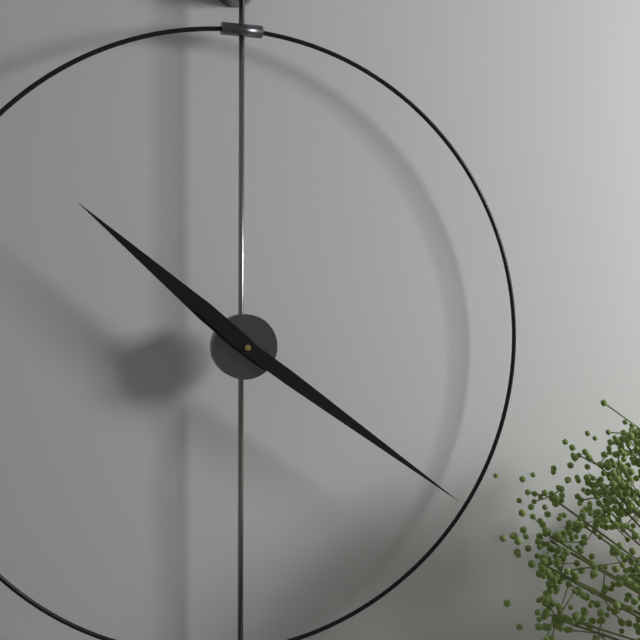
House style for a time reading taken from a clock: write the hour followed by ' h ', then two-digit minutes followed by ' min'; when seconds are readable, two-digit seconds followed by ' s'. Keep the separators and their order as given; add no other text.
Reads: 10 h 21 min
